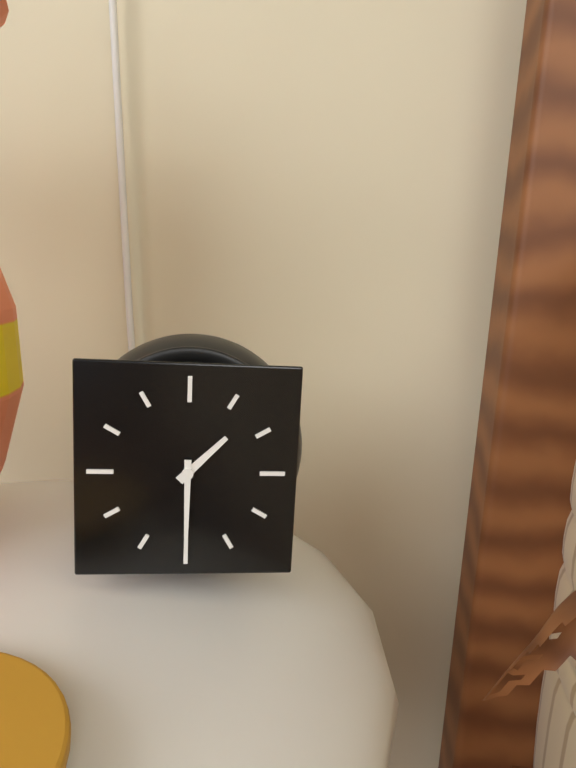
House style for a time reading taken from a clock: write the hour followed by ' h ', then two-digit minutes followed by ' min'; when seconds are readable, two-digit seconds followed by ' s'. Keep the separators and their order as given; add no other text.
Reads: 1 h 30 min
